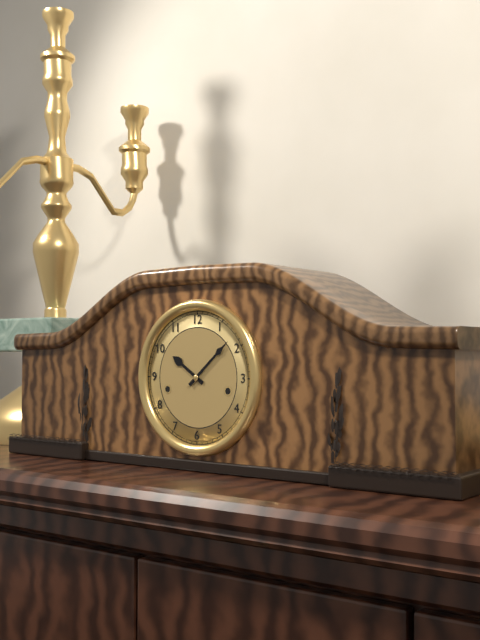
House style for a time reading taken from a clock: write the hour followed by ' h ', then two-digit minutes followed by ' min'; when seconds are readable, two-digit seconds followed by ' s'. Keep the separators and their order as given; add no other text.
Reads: 10 h 08 min
